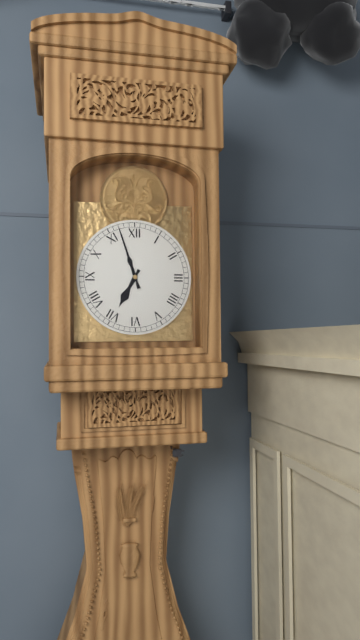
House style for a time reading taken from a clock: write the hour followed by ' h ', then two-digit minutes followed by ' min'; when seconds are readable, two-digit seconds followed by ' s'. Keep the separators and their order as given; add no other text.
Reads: 6 h 57 min
